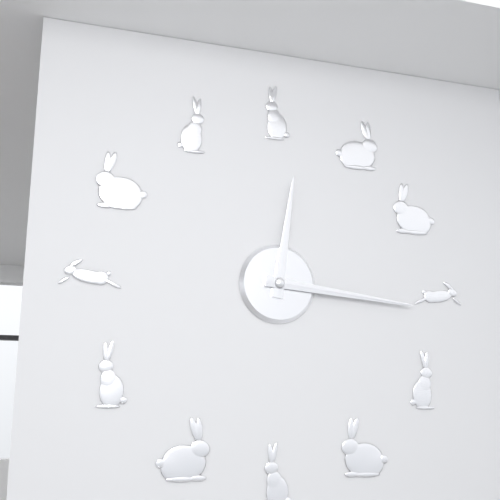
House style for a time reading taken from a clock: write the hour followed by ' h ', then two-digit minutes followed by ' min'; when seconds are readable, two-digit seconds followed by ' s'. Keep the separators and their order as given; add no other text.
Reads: 12 h 16 min
